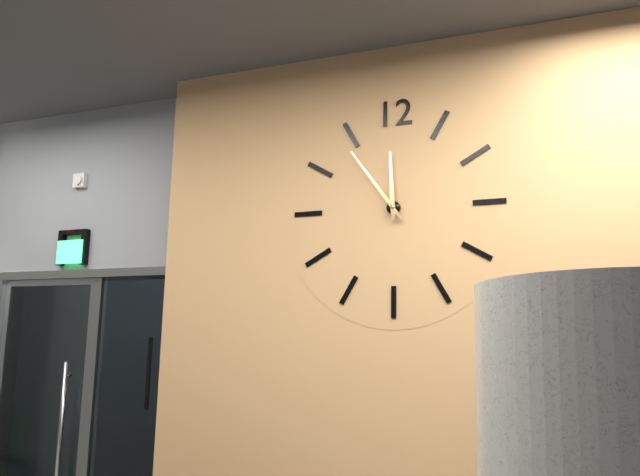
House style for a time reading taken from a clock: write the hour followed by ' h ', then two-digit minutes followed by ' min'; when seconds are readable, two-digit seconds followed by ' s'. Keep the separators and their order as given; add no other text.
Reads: 11 h 54 min
